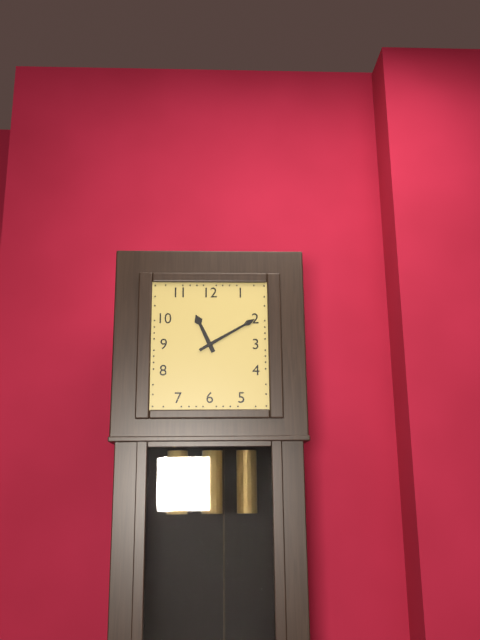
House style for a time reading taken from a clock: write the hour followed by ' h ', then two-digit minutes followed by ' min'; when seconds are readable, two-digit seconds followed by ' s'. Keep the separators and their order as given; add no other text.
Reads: 11 h 10 min
